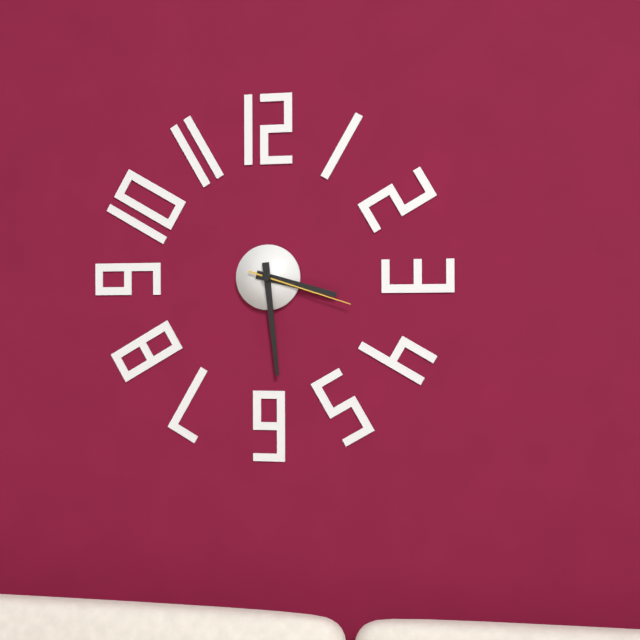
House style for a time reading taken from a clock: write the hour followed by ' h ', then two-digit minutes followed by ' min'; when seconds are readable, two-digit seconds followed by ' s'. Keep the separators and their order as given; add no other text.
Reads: 3 h 29 min 18 s
